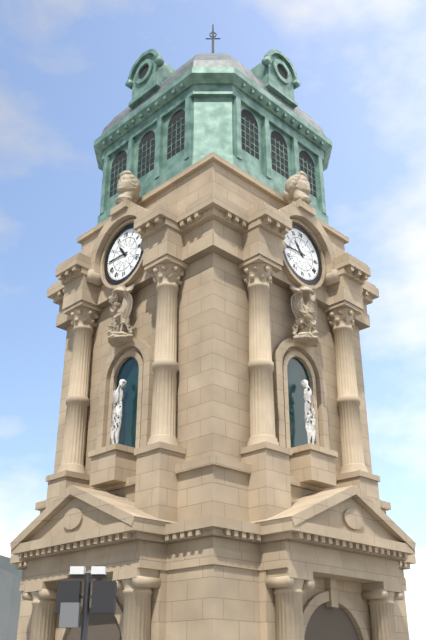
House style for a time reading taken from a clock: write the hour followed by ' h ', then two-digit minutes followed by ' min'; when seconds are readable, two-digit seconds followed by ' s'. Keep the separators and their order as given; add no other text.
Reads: 10 h 45 min
